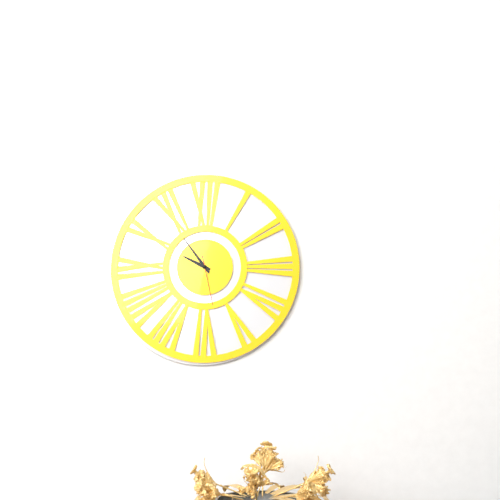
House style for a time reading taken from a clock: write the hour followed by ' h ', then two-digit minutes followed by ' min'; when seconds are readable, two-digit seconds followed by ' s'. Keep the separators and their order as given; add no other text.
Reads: 9 h 54 min
